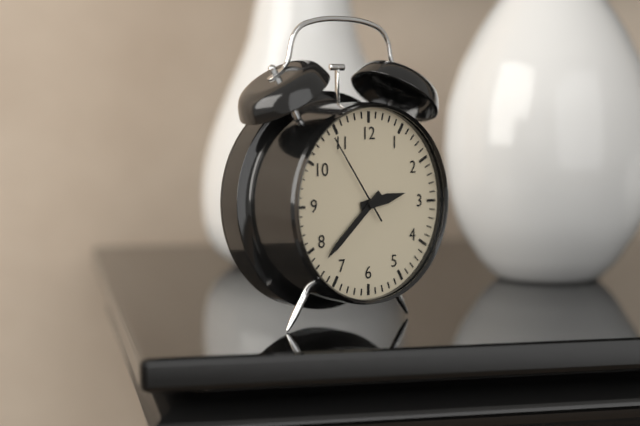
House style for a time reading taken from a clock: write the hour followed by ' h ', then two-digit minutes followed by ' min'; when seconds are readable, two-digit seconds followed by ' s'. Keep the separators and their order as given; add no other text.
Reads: 2 h 38 min 54 s
